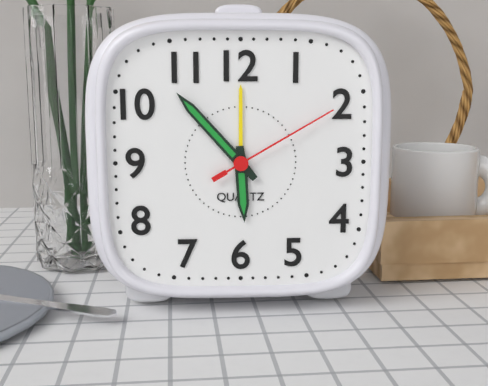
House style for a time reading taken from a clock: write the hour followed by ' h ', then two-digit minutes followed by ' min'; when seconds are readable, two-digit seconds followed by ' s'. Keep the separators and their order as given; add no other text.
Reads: 5 h 53 min 10 s
